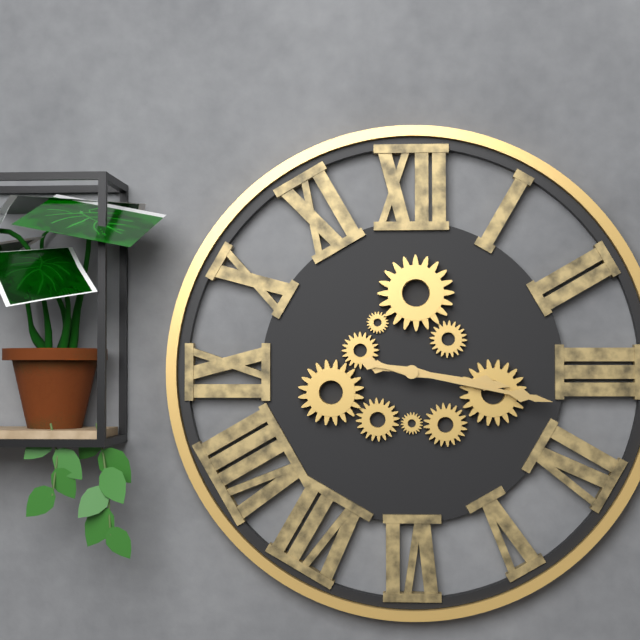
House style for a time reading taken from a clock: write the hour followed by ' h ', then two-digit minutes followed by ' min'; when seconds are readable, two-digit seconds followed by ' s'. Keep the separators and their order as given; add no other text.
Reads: 3 h 17 min
